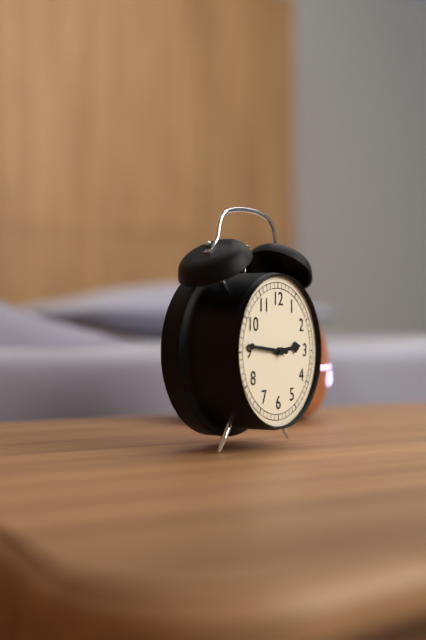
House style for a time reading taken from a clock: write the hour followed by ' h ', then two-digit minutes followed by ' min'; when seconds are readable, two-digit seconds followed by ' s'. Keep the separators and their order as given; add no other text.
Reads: 2 h 46 min
